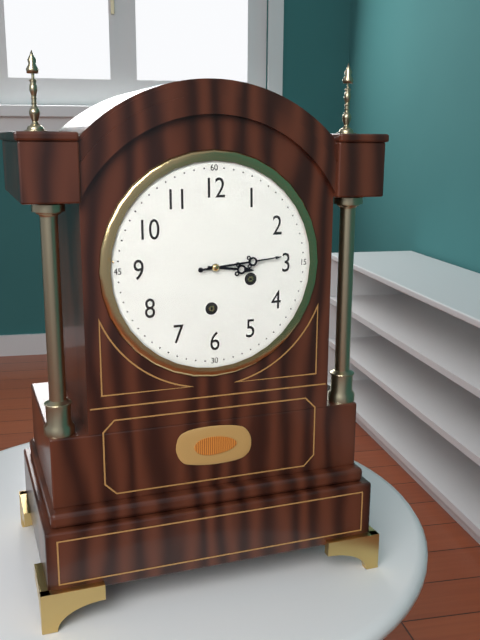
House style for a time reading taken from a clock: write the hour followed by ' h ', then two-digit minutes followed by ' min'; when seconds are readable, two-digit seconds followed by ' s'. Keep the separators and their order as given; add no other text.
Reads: 3 h 14 min
